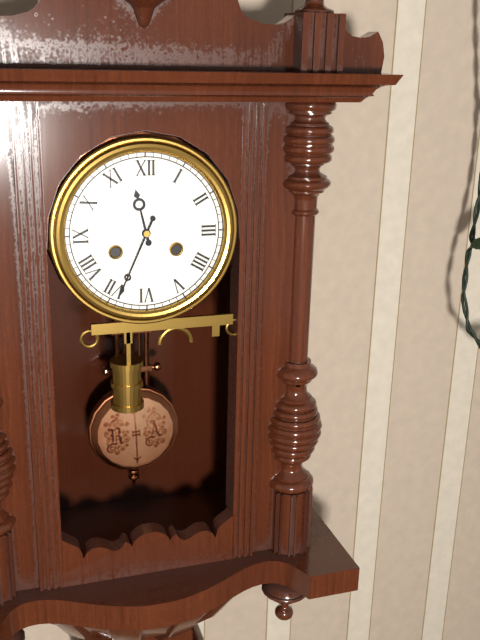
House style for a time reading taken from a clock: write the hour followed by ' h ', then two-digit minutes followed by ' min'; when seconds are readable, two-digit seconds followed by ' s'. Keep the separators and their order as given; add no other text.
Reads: 11 h 34 min
